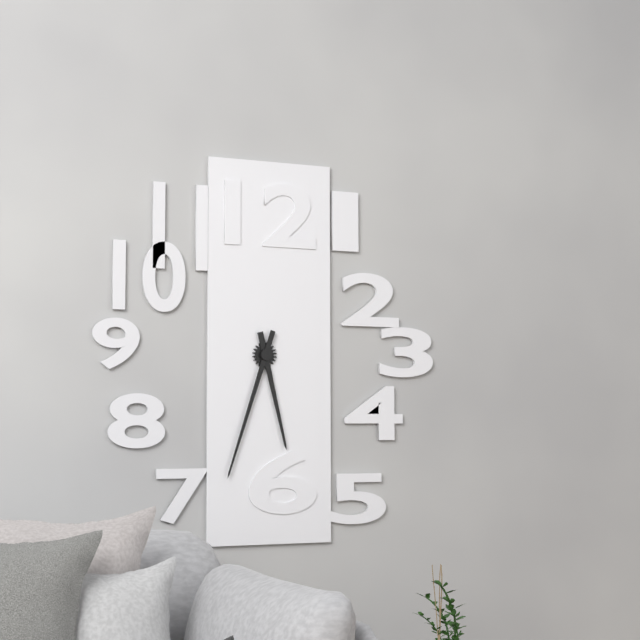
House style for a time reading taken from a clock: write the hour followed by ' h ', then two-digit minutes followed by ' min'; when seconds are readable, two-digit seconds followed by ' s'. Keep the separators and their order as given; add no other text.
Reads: 5 h 33 min
